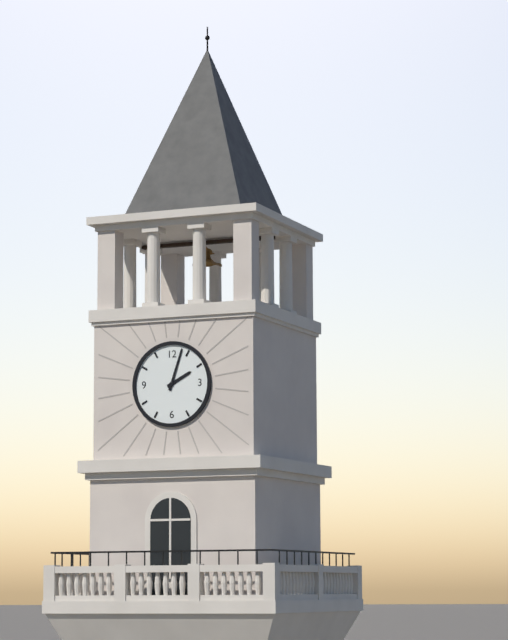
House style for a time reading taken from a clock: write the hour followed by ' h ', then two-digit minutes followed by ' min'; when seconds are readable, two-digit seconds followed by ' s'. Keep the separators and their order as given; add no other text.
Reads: 2 h 03 min
